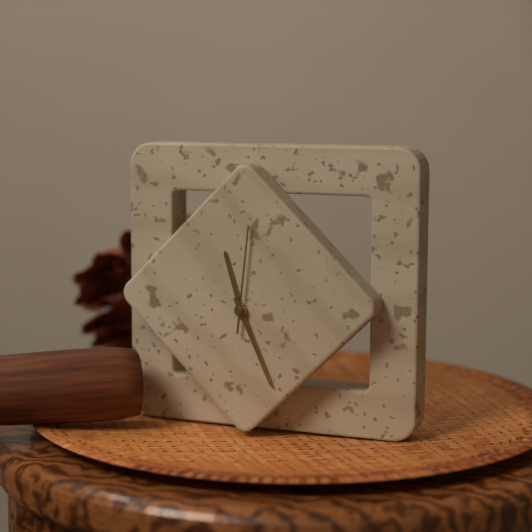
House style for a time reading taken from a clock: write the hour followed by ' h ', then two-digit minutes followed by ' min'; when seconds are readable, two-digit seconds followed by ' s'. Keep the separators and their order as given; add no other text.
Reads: 11 h 26 min 01 s
